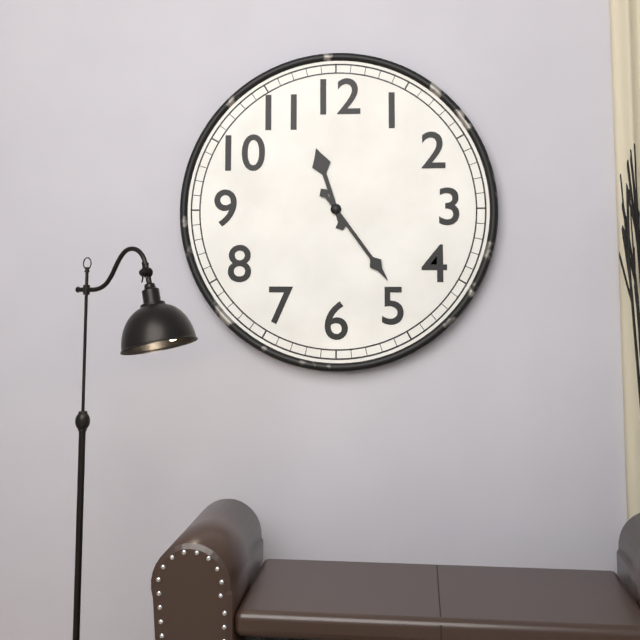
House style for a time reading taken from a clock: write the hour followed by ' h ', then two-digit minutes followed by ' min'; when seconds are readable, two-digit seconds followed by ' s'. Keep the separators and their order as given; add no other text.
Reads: 11 h 24 min
